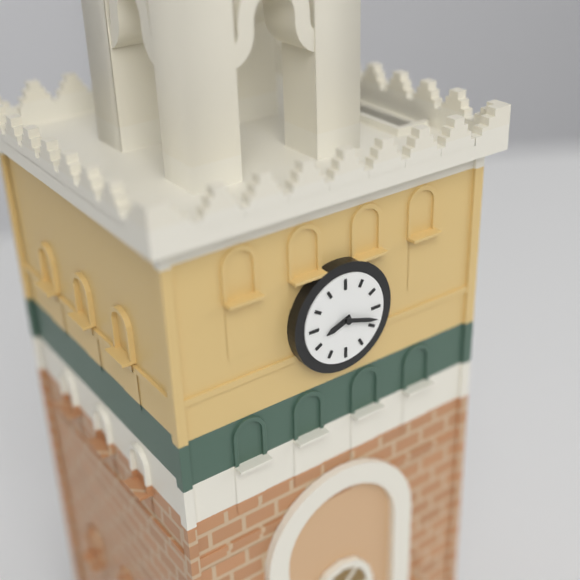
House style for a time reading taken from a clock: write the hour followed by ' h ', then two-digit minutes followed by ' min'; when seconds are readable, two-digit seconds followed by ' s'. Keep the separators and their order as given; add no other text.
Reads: 8 h 18 min
